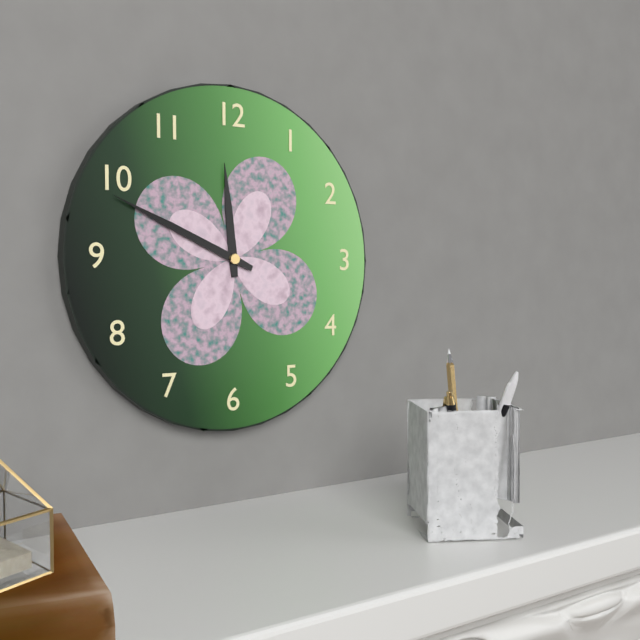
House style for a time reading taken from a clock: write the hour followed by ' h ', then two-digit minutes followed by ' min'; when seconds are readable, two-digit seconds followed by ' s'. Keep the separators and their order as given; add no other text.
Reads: 11 h 49 min
